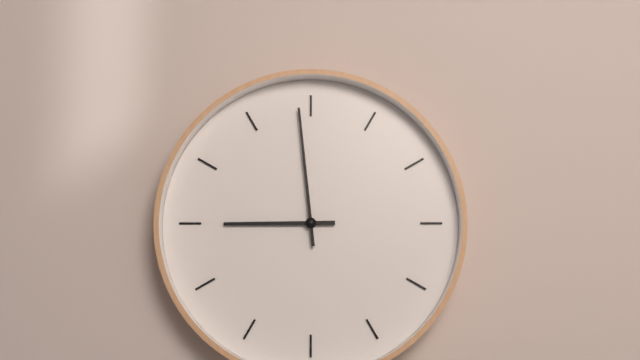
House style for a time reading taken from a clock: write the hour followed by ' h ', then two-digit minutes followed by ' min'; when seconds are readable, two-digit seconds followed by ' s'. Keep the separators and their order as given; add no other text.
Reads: 8 h 59 min
